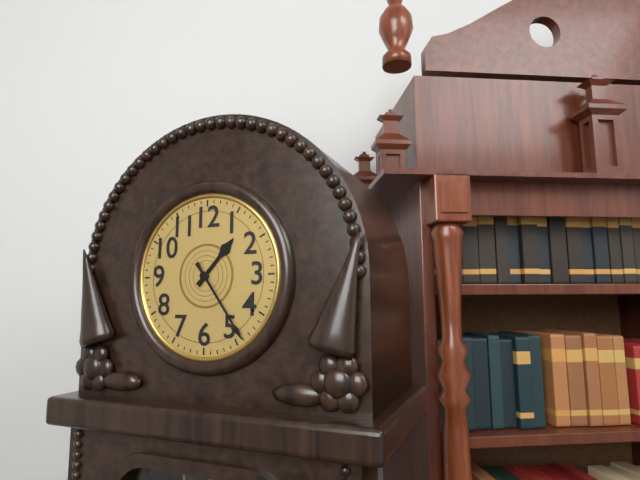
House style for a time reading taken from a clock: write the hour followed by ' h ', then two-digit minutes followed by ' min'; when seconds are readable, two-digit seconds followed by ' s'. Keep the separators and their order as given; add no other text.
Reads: 1 h 24 min
